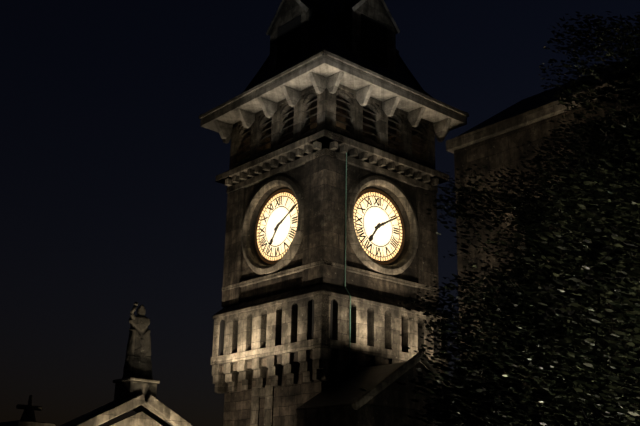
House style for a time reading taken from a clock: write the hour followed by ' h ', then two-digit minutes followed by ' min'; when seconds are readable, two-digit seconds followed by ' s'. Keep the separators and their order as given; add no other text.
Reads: 7 h 10 min
